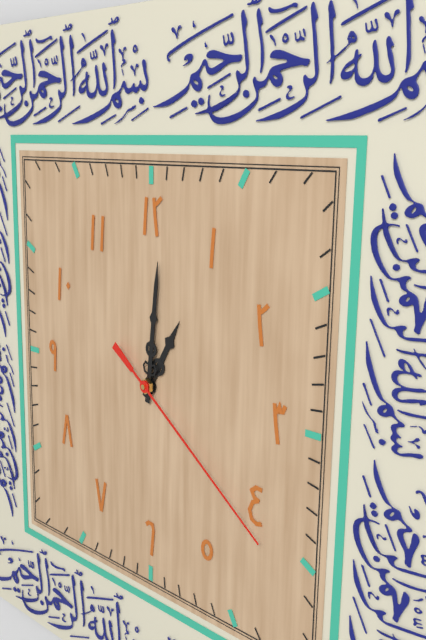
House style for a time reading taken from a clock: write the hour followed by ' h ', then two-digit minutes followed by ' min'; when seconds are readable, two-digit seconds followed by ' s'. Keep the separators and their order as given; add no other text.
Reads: 1 h 01 min 21 s
